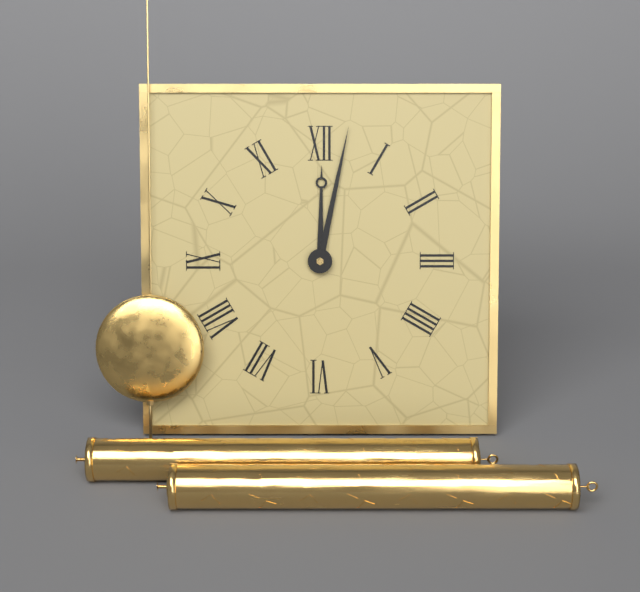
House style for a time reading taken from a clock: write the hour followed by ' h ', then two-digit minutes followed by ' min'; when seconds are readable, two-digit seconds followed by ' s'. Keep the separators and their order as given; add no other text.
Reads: 12 h 02 min
